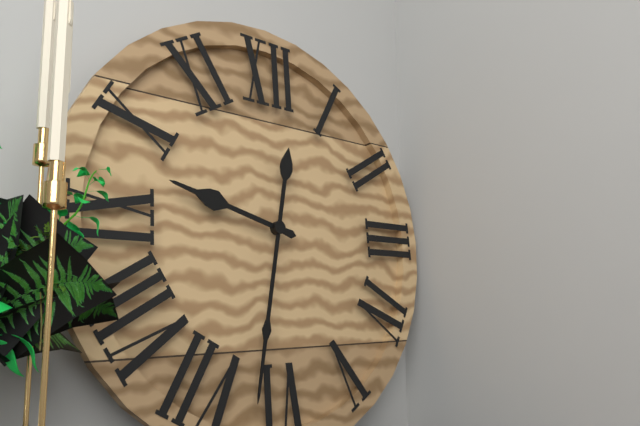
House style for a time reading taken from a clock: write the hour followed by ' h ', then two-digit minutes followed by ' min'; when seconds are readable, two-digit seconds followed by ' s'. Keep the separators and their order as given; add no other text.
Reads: 9 h 32 min
